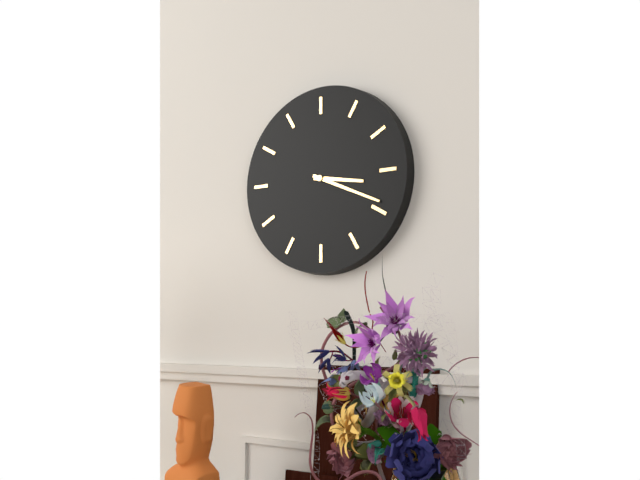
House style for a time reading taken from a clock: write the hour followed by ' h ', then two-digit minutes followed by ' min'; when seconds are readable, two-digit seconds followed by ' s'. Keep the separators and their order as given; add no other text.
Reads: 3 h 19 min
